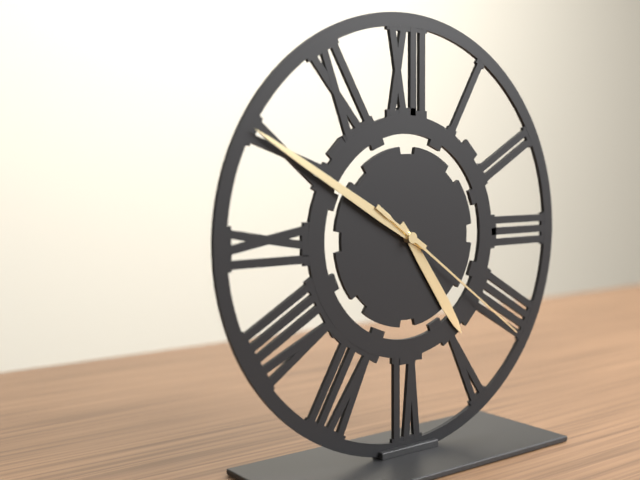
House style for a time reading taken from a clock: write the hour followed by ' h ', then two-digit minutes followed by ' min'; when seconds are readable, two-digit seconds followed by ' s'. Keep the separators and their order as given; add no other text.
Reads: 4 h 50 min 21 s
